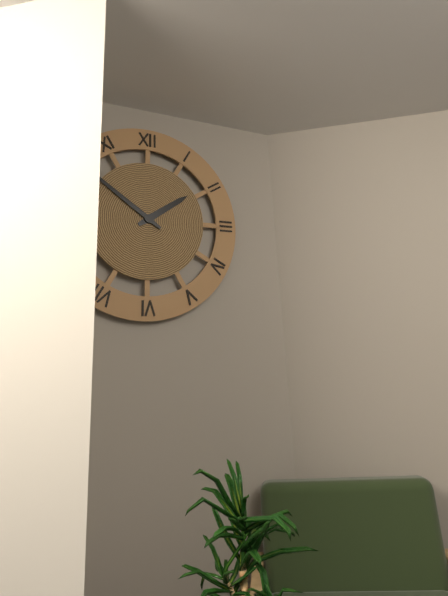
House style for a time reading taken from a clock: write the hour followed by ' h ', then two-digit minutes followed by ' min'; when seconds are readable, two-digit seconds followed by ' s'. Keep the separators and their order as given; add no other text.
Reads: 1 h 51 min
